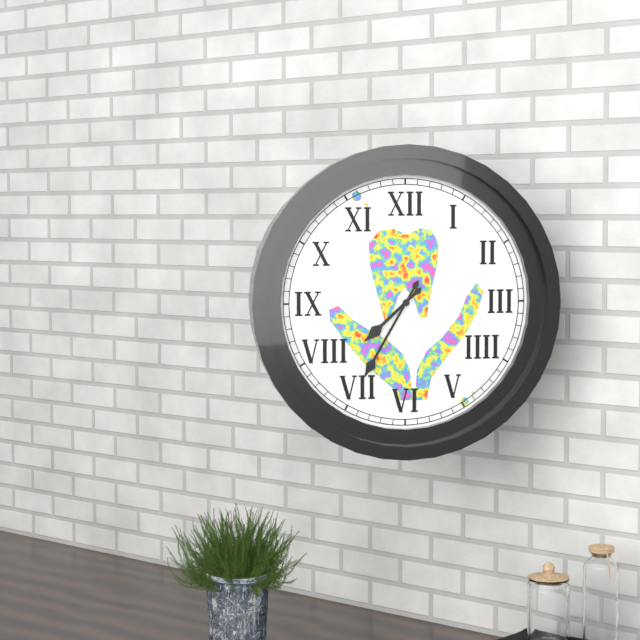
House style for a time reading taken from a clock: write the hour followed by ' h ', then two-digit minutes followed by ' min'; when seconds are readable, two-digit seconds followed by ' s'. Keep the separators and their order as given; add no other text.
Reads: 7 h 35 min
